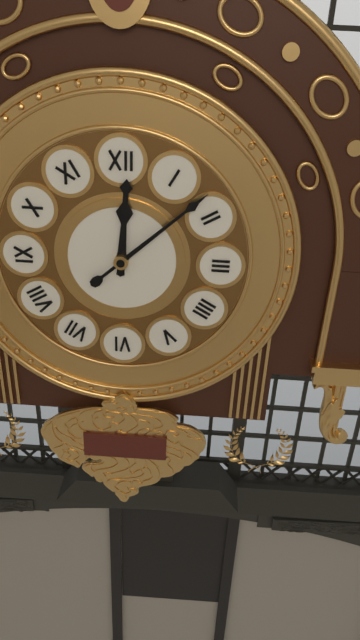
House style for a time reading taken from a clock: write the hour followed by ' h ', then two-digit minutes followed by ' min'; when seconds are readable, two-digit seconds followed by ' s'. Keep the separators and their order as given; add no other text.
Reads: 12 h 08 min
